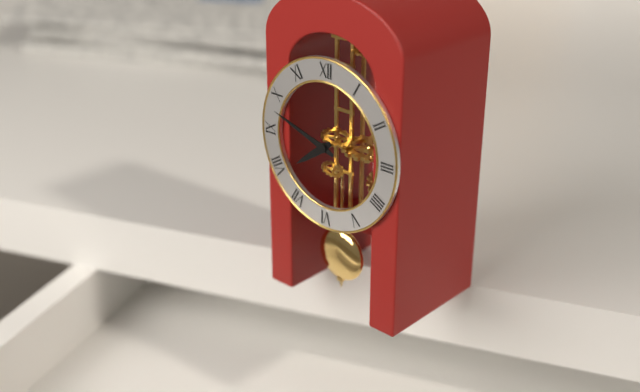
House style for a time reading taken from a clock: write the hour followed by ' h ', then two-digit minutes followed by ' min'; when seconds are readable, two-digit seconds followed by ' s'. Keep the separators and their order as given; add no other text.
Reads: 7 h 48 min
